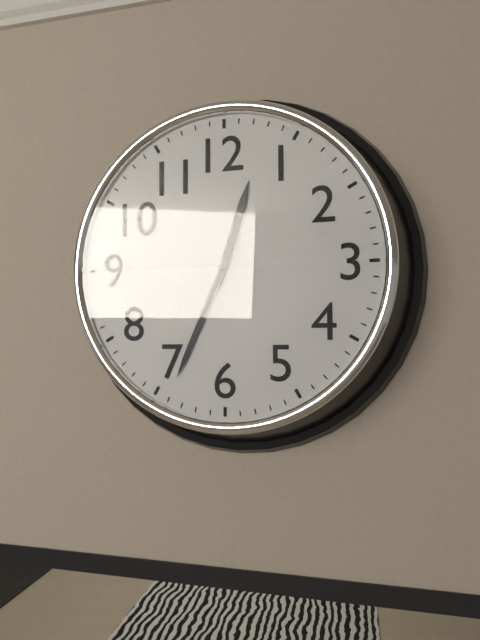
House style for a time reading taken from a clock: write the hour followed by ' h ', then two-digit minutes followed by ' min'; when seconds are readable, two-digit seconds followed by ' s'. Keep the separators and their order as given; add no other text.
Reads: 12 h 34 min
